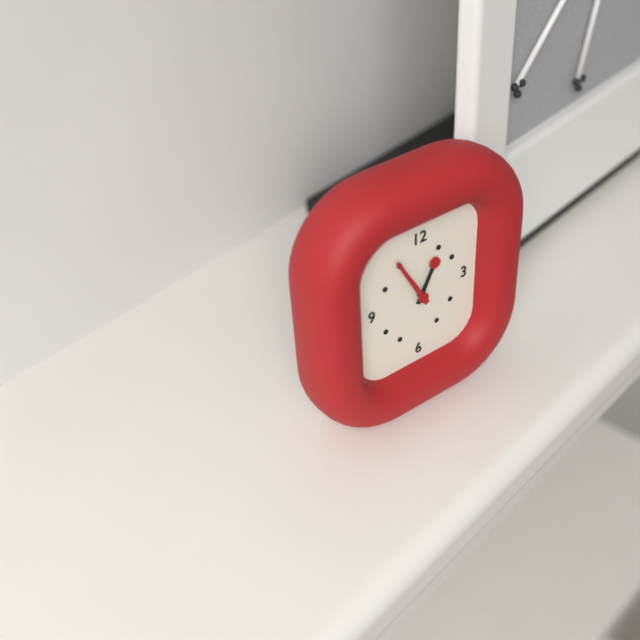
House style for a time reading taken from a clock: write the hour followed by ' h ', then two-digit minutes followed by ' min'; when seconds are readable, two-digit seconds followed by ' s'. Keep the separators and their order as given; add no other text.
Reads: 12 h 55 min
